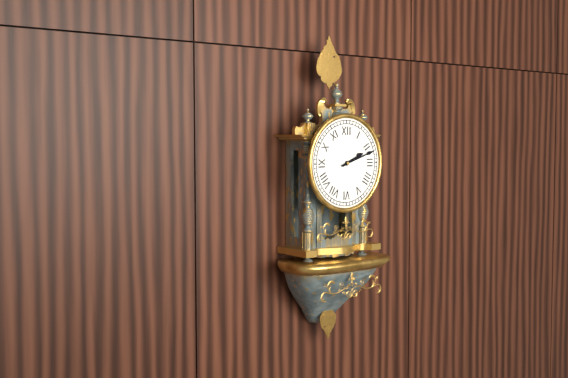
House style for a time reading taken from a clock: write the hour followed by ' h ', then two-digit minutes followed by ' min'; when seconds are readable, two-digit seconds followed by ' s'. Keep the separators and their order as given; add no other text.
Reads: 2 h 12 min
